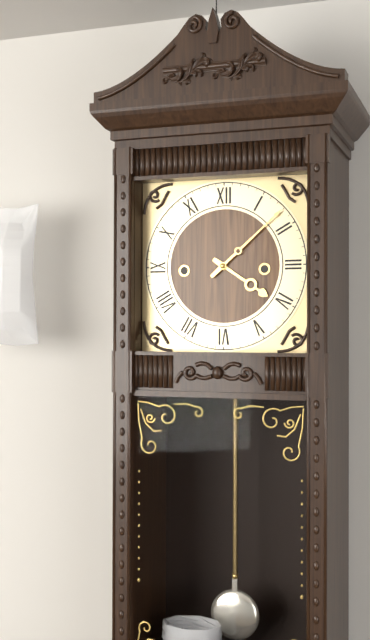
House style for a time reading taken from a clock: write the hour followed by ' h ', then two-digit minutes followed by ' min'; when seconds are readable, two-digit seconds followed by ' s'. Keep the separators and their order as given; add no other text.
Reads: 4 h 08 min
